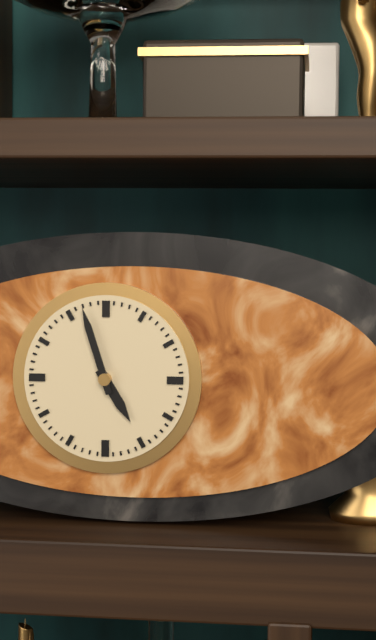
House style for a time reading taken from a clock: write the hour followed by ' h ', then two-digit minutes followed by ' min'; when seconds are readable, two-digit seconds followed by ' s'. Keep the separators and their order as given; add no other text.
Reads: 4 h 57 min
